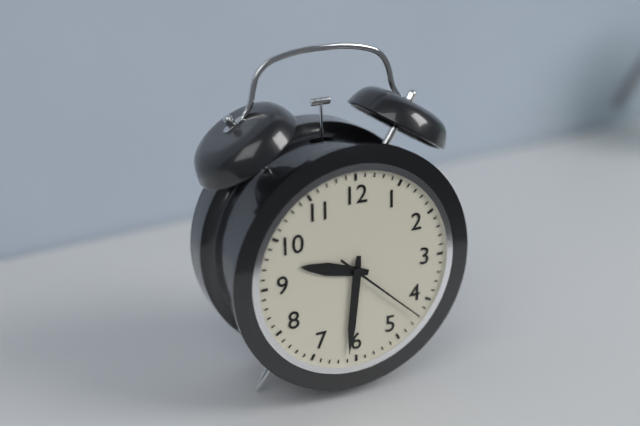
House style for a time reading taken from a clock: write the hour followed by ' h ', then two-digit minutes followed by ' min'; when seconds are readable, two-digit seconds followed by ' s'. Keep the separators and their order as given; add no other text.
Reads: 9 h 31 min 22 s
